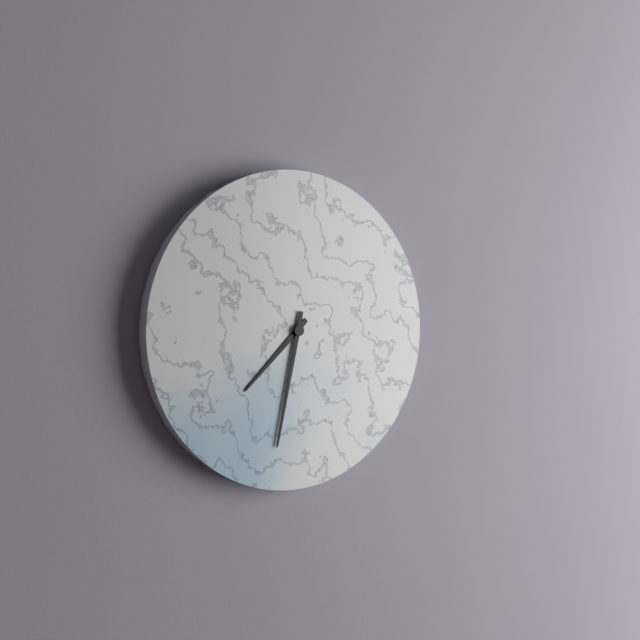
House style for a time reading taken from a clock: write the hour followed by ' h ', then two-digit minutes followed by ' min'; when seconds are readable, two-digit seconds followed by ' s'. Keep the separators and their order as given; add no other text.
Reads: 7 h 32 min
